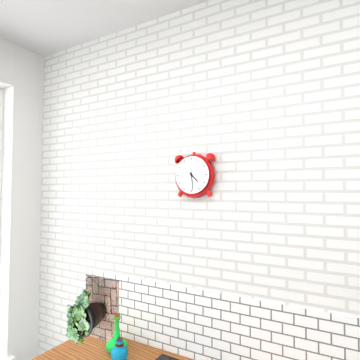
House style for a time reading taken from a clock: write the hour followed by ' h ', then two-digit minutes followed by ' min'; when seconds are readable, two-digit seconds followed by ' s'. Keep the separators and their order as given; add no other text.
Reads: 4 h 29 min
